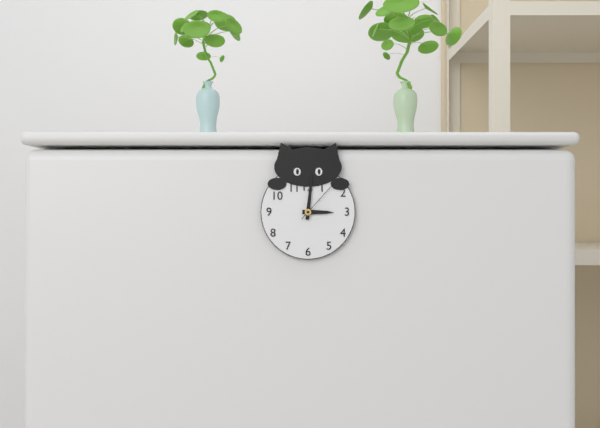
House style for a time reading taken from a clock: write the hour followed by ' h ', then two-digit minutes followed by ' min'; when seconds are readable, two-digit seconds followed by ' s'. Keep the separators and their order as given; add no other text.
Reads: 3 h 01 min
